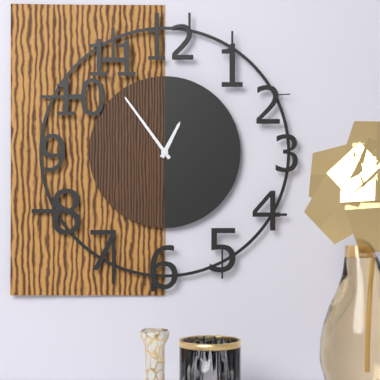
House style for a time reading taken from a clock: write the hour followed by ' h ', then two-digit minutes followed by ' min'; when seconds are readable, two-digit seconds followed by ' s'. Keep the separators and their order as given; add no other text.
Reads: 12 h 54 min
